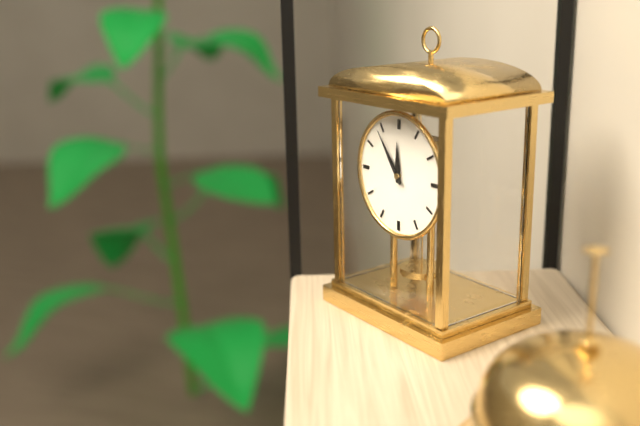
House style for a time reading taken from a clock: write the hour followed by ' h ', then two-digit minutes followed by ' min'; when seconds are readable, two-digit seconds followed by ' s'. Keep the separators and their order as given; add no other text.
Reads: 11 h 54 min
